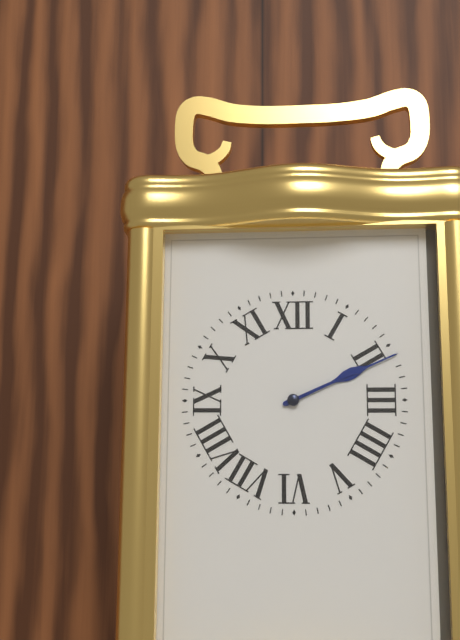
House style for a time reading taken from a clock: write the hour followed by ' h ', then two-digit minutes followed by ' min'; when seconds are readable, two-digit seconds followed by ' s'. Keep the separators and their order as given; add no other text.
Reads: 2 h 11 min
